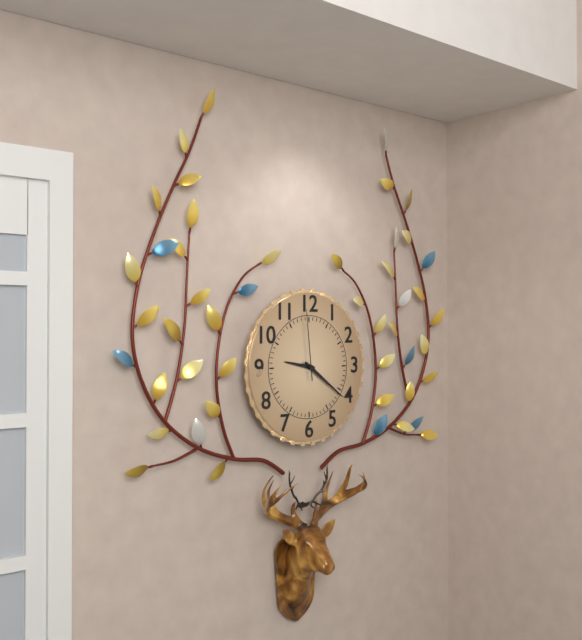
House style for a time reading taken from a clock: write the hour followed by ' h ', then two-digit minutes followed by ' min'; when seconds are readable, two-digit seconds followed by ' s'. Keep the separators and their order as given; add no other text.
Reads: 9 h 21 min 59 s
